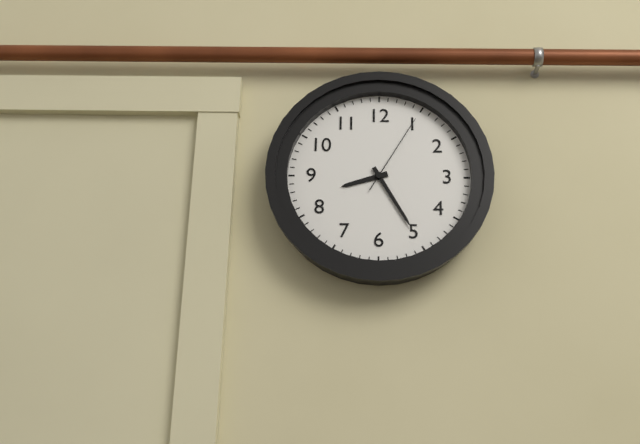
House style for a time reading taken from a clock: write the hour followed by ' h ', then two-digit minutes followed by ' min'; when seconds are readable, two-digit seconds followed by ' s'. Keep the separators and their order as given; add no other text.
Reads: 8 h 25 min 05 s
